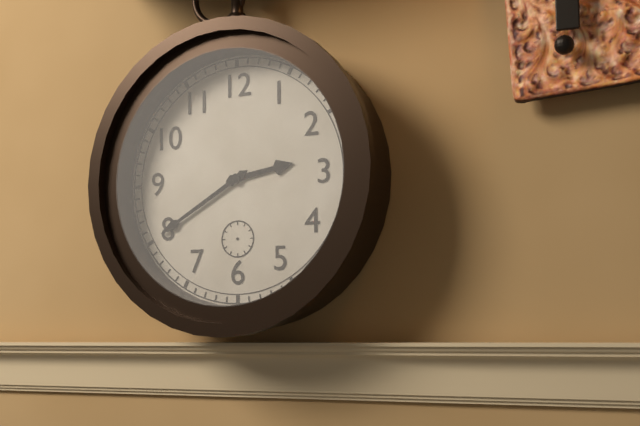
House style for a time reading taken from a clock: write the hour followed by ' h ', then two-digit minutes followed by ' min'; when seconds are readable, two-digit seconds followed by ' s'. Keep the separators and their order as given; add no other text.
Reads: 2 h 40 min
